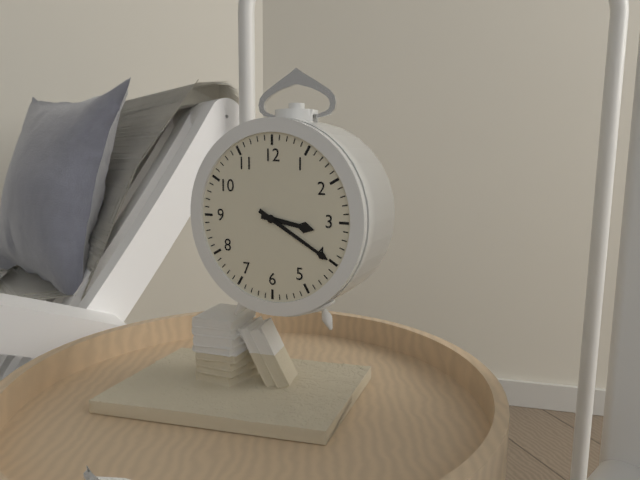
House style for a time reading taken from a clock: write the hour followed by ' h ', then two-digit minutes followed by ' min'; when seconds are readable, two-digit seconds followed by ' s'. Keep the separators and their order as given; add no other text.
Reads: 3 h 20 min
